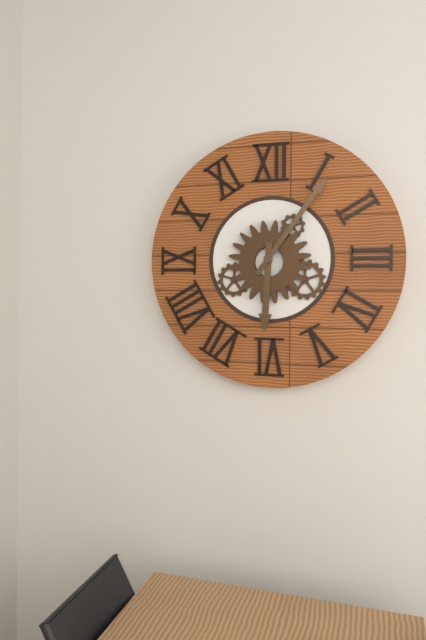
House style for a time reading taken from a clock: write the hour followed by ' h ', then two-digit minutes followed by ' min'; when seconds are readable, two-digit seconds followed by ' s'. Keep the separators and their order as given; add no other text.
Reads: 6 h 06 min
